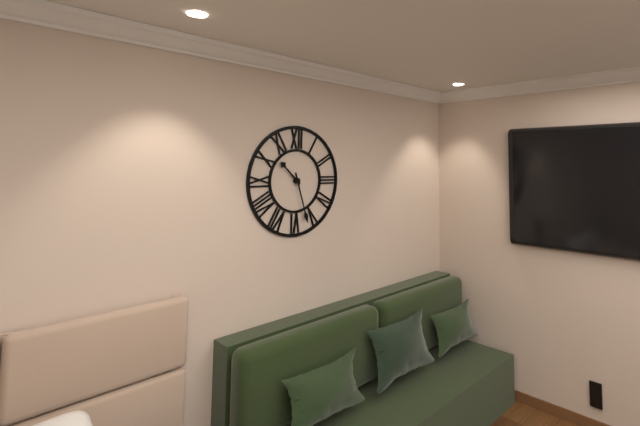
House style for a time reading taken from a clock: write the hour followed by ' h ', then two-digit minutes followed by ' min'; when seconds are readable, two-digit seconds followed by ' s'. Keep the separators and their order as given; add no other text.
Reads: 10 h 27 min
